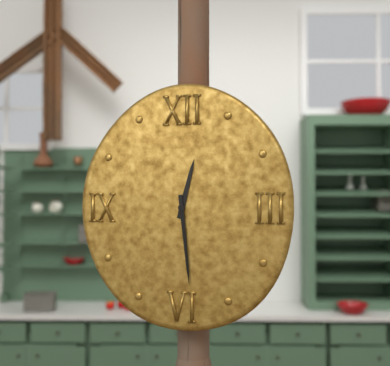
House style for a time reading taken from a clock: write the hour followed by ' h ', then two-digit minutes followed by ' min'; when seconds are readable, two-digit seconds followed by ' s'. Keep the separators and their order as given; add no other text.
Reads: 12 h 29 min
